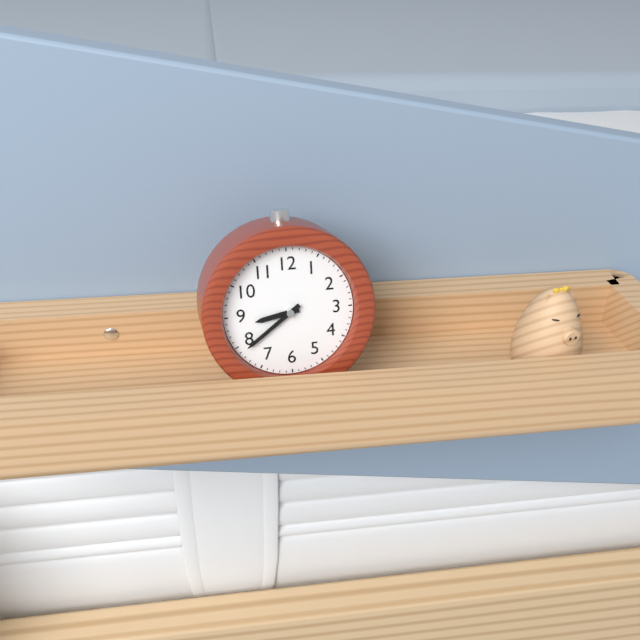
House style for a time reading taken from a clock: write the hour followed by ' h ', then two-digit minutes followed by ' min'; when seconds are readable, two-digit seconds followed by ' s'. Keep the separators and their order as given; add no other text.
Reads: 8 h 39 min
